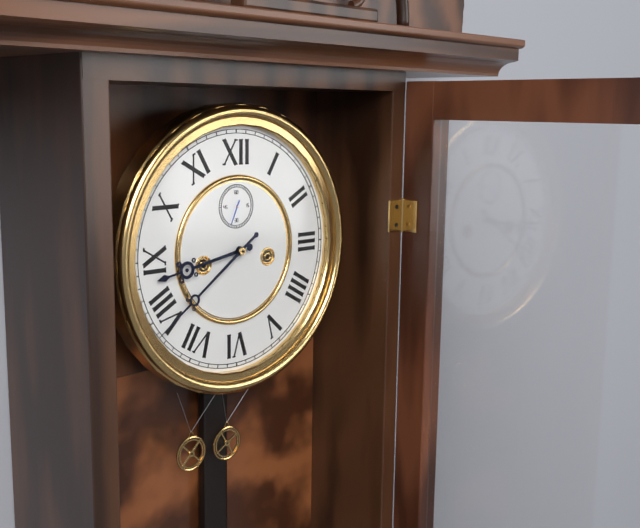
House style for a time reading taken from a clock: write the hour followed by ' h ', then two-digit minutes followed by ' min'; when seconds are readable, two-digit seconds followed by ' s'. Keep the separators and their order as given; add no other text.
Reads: 8 h 39 min
